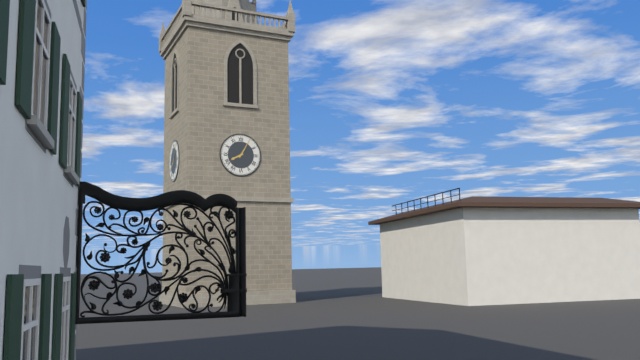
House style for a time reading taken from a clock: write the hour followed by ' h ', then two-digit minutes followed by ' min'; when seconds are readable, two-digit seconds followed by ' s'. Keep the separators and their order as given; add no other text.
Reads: 8 h 05 min
